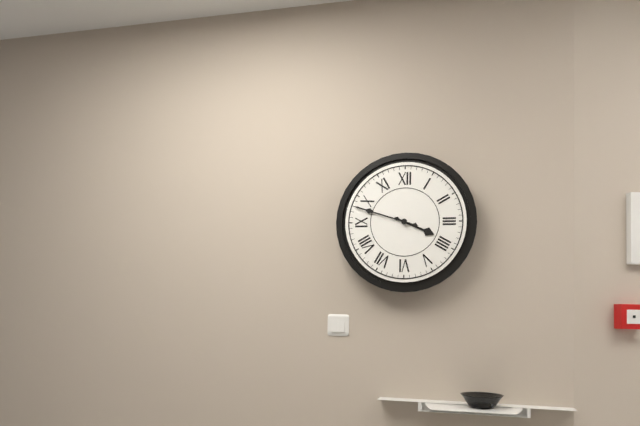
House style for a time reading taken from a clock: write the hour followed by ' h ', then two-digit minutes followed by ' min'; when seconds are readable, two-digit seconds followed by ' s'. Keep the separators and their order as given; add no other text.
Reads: 3 h 48 min
